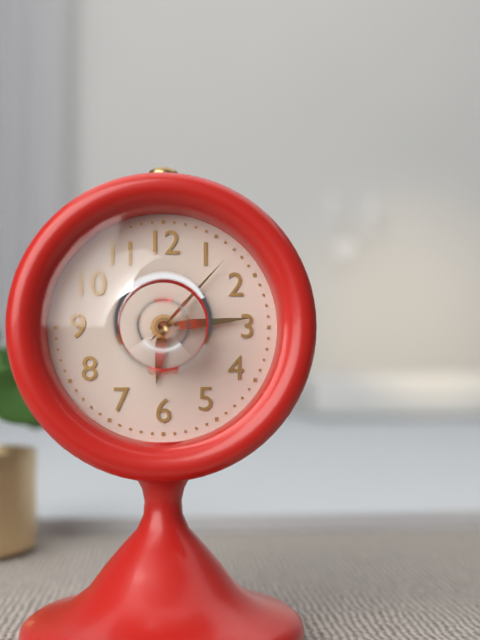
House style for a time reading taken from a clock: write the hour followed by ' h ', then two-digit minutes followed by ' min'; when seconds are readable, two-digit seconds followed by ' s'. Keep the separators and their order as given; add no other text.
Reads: 6 h 14 min 07 s
